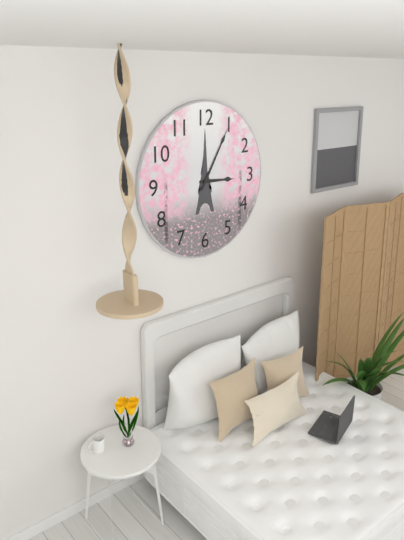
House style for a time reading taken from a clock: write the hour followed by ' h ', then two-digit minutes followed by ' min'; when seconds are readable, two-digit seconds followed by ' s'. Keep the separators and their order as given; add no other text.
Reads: 3 h 05 min
